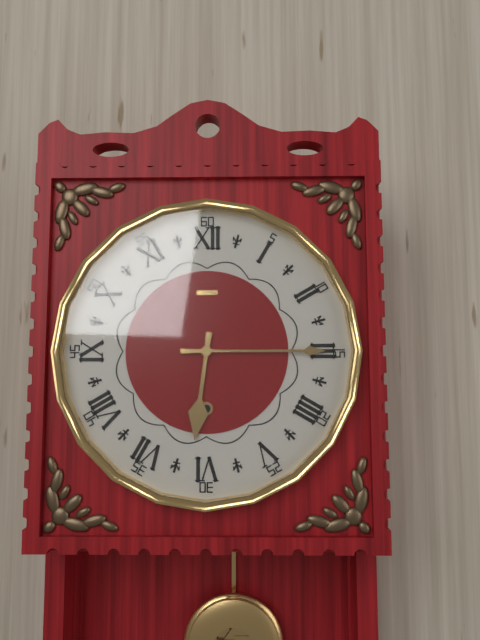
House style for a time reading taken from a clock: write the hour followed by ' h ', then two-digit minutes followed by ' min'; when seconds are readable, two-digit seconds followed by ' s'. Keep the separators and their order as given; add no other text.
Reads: 6 h 15 min
